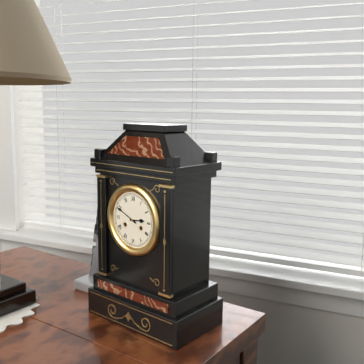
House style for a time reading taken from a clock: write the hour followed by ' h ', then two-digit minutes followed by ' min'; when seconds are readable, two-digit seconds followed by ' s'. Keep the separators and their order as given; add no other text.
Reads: 2 h 49 min
